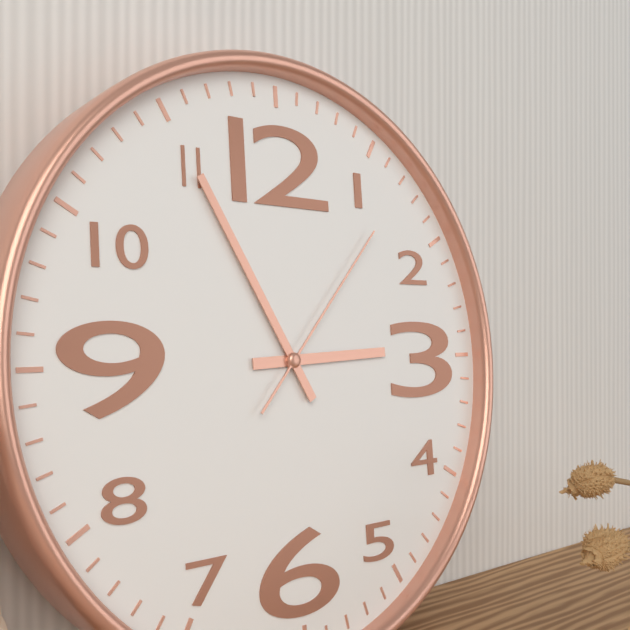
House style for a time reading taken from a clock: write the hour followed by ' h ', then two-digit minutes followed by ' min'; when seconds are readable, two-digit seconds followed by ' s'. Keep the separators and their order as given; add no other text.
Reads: 2 h 55 min 07 s
